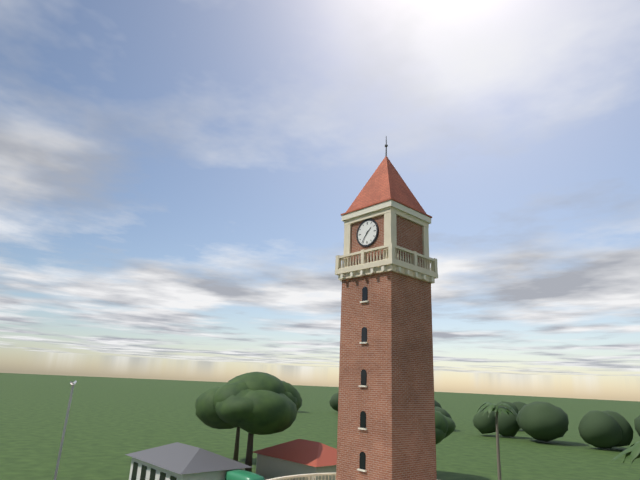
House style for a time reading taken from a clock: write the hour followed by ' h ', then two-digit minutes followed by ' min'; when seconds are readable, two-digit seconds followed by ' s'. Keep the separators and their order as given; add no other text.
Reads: 1 h 36 min
